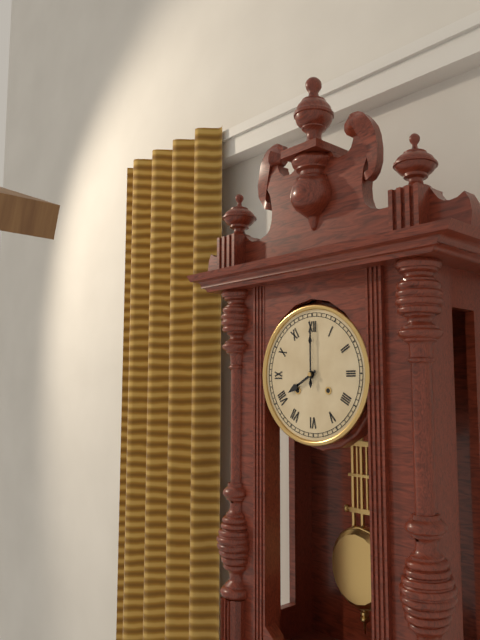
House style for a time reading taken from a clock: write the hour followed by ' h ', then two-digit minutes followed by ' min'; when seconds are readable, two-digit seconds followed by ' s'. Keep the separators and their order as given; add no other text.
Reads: 8 h 00 min
